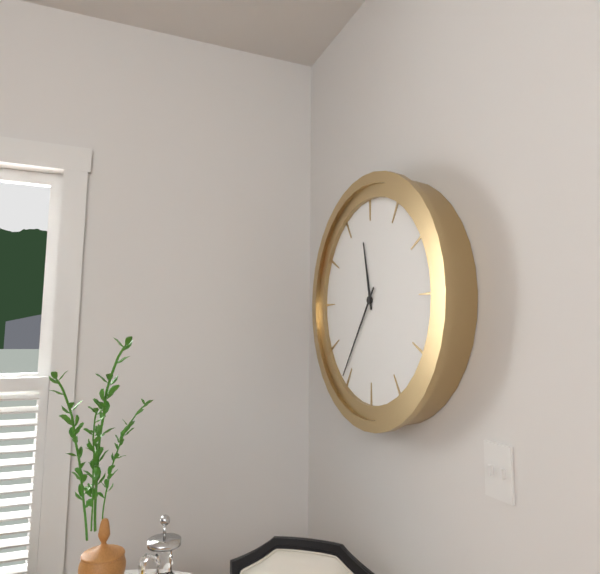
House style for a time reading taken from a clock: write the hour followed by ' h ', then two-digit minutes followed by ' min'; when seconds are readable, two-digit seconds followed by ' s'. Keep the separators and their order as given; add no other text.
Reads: 11 h 36 min
